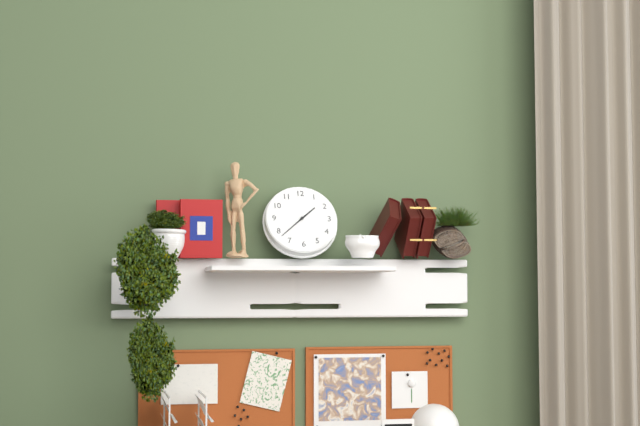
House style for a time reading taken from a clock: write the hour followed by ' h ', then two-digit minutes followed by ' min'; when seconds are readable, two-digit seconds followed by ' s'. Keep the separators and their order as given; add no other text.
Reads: 1 h 38 min
